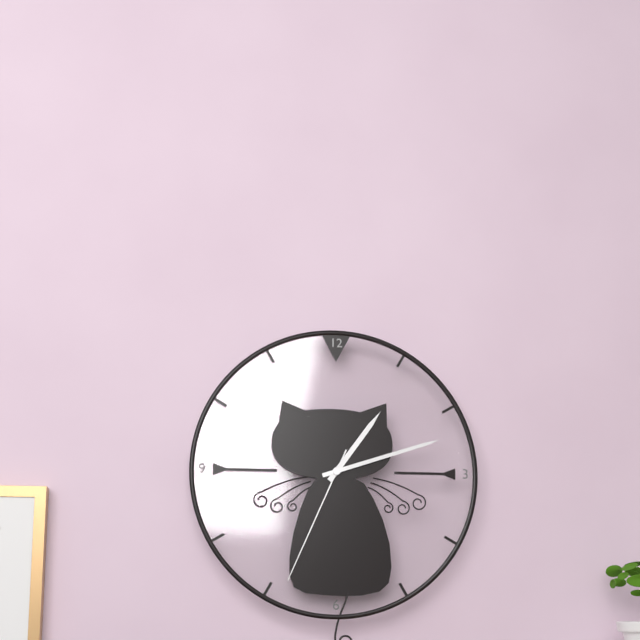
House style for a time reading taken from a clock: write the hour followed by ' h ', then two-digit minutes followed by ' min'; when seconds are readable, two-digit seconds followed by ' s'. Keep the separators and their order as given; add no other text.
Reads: 1 h 12 min 34 s
